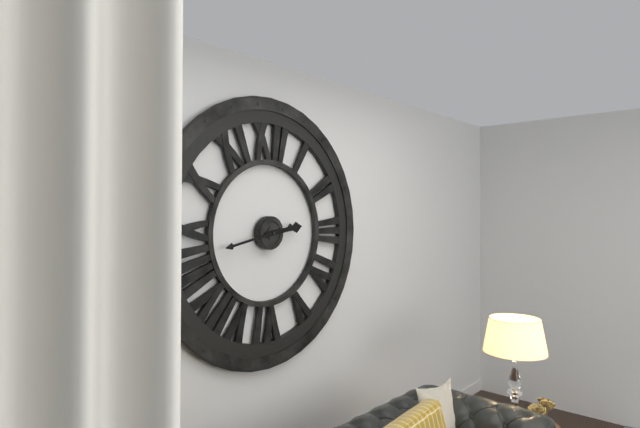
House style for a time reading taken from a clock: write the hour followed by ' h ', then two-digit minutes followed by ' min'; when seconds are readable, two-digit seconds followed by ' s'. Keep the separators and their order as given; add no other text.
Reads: 2 h 43 min
